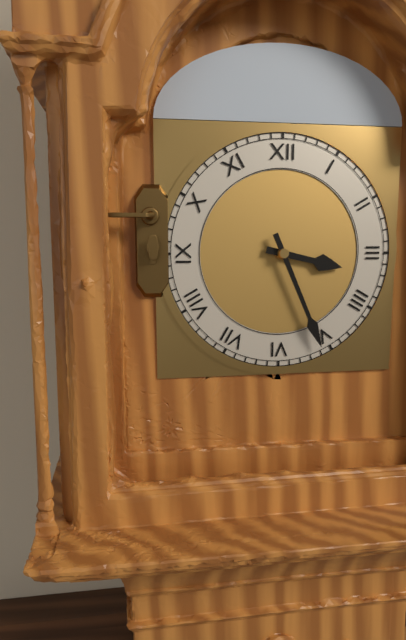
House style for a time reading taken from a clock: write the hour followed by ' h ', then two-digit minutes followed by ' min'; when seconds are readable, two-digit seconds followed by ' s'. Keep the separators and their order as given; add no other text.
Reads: 3 h 26 min
